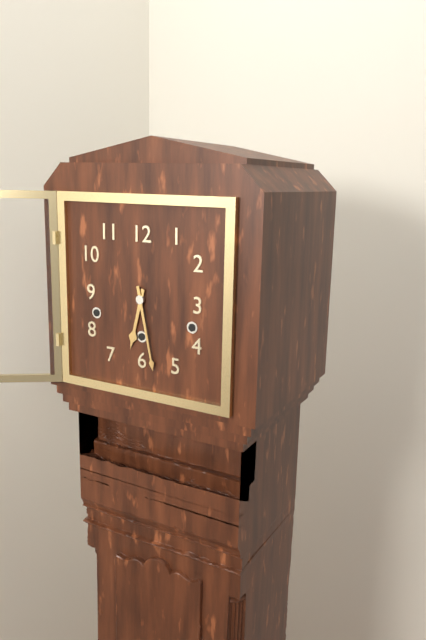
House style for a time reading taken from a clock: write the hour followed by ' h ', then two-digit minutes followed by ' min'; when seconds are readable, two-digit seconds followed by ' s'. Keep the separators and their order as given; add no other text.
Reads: 6 h 28 min
